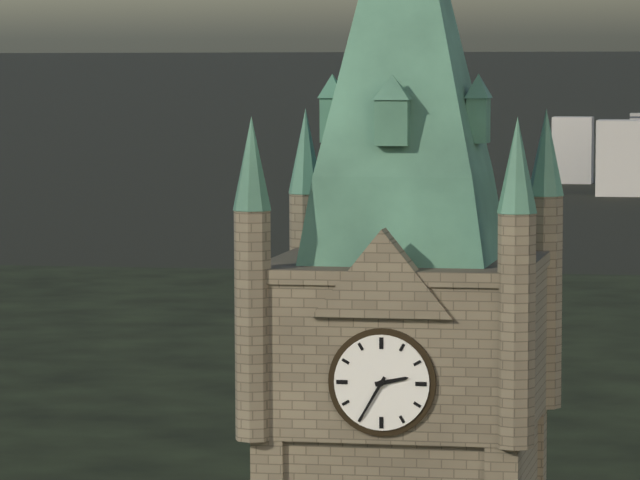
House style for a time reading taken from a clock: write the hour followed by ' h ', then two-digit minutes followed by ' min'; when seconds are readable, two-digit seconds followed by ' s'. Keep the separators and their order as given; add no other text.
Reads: 2 h 35 min
